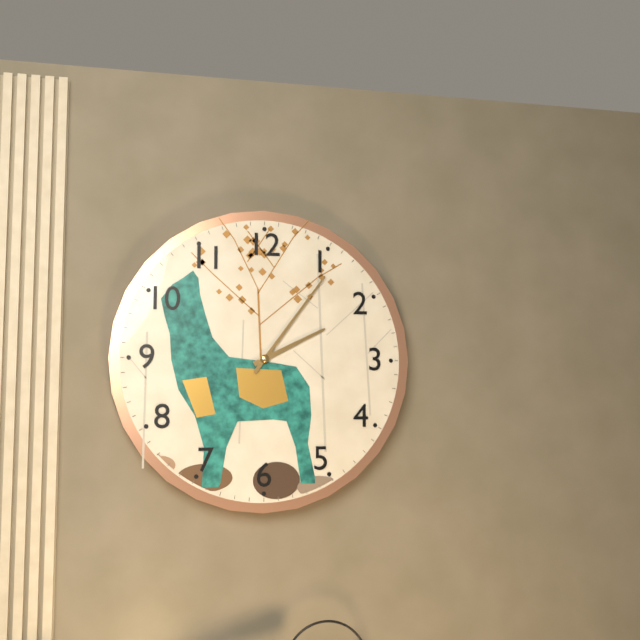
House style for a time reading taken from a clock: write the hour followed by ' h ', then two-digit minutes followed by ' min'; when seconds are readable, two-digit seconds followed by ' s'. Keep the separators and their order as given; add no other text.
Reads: 2 h 06 min
